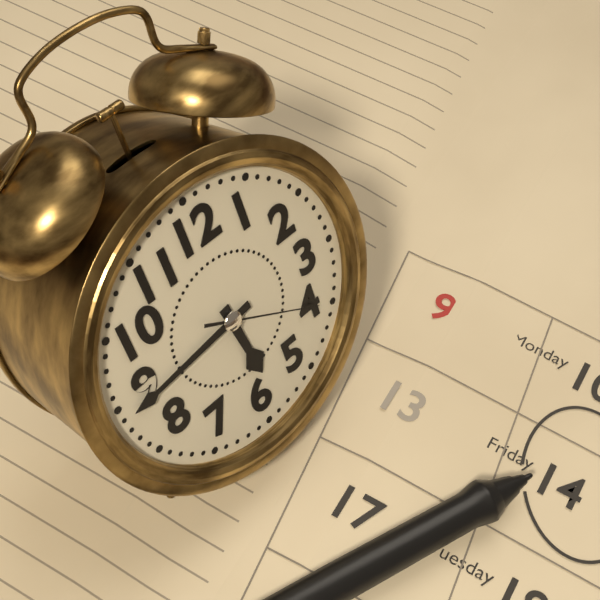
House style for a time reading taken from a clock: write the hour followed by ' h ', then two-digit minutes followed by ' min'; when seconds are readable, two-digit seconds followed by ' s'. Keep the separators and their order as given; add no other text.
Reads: 5 h 44 min 20 s
